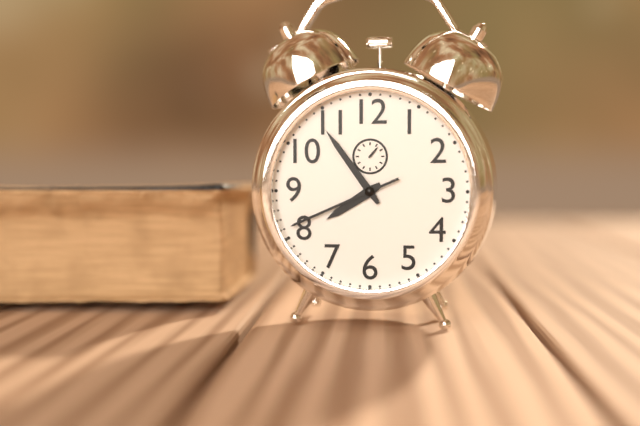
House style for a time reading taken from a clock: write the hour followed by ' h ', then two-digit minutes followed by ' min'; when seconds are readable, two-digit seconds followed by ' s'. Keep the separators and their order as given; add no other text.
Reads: 7 h 54 min 41 s
